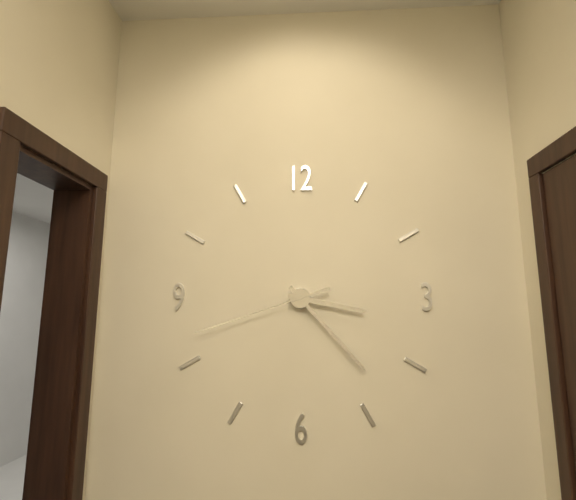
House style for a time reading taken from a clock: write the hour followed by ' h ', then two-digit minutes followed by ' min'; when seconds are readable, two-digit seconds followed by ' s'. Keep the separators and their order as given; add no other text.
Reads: 3 h 23 min 42 s
